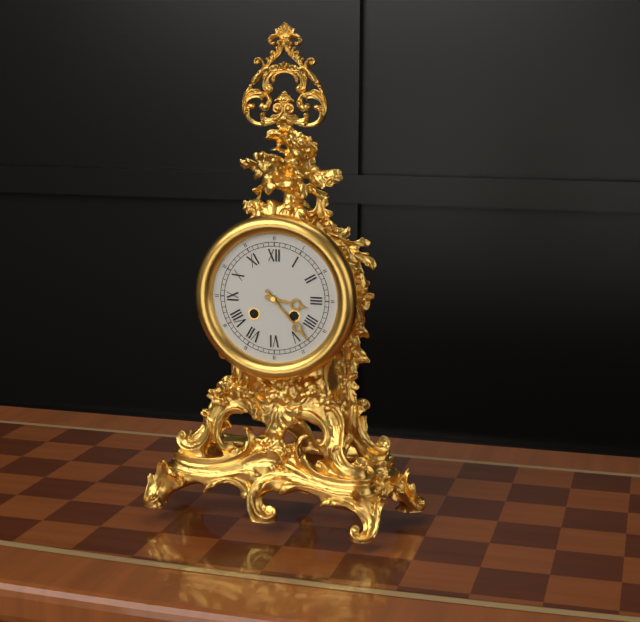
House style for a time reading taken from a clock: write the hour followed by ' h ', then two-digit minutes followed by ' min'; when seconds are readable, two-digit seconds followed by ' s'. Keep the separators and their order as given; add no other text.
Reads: 3 h 23 min
